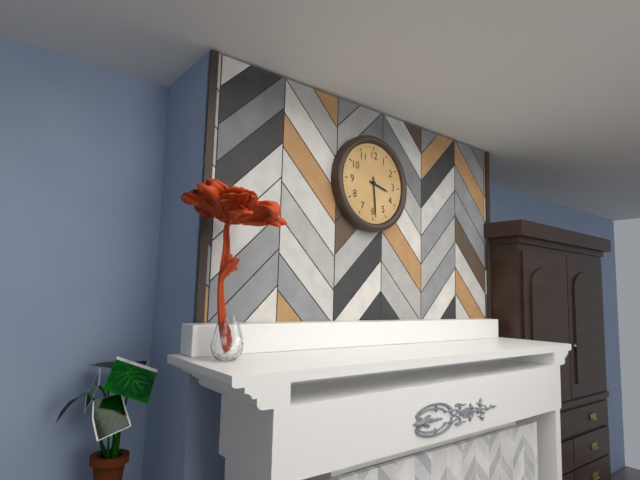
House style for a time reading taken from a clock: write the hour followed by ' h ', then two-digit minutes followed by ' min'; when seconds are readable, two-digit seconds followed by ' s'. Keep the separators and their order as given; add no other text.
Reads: 3 h 29 min
